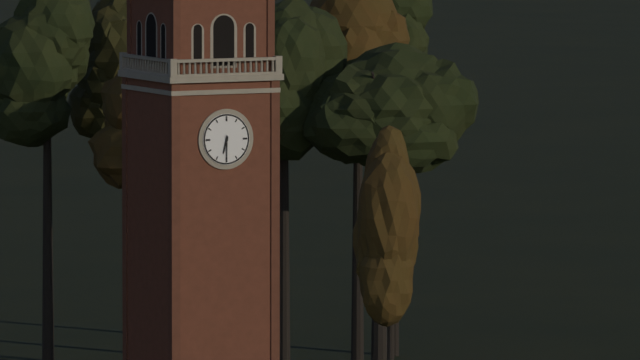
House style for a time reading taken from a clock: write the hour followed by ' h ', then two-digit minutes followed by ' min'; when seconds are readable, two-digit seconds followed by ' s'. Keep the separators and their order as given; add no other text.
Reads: 6 h 30 min
